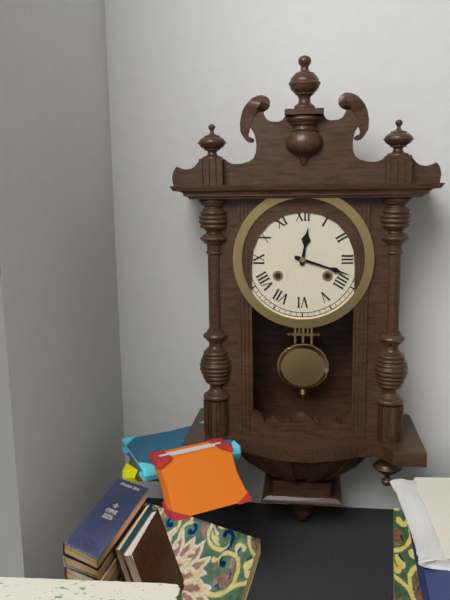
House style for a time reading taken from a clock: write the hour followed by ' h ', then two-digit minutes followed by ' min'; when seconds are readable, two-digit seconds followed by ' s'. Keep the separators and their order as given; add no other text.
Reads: 12 h 18 min
